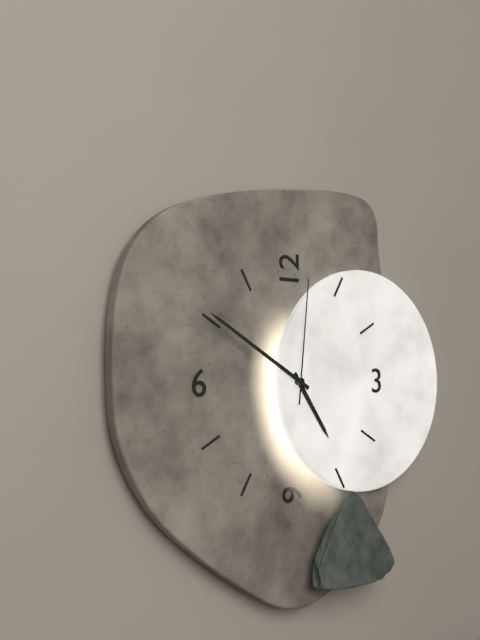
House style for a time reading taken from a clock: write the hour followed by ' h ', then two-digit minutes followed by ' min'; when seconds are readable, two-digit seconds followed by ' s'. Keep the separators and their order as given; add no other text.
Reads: 4 h 50 min 01 s
